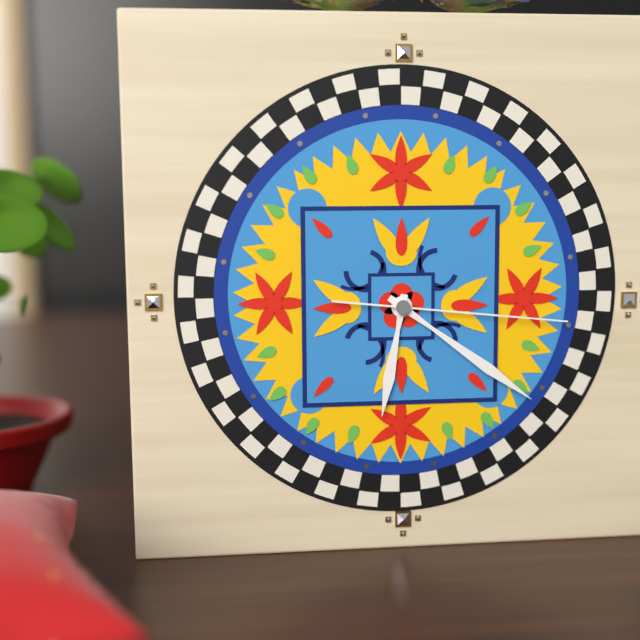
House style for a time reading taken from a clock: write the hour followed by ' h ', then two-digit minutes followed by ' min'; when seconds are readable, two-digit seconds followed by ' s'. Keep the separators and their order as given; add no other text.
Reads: 6 h 21 min 16 s
